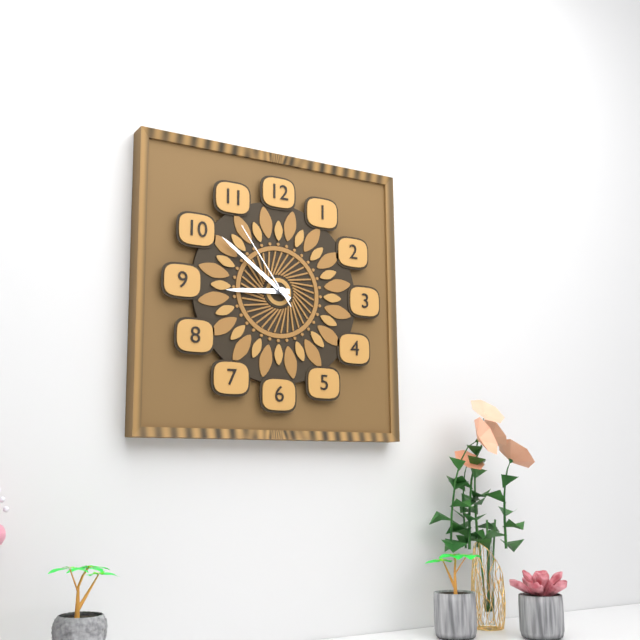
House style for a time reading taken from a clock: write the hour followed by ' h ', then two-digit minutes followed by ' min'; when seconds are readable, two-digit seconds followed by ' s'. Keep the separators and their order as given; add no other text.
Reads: 8 h 51 min 54 s
